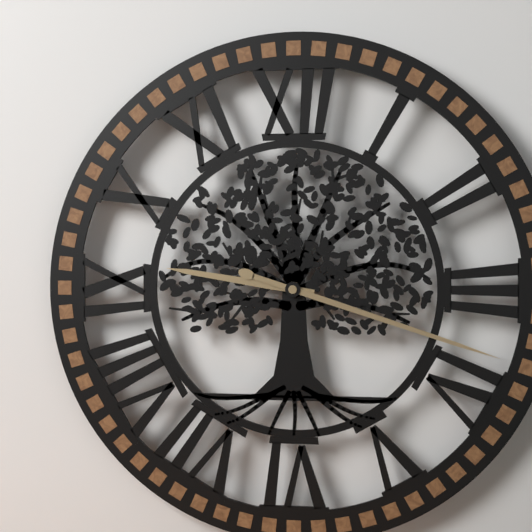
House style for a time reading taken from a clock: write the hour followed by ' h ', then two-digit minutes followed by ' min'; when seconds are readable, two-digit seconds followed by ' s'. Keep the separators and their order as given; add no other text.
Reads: 9 h 18 min
